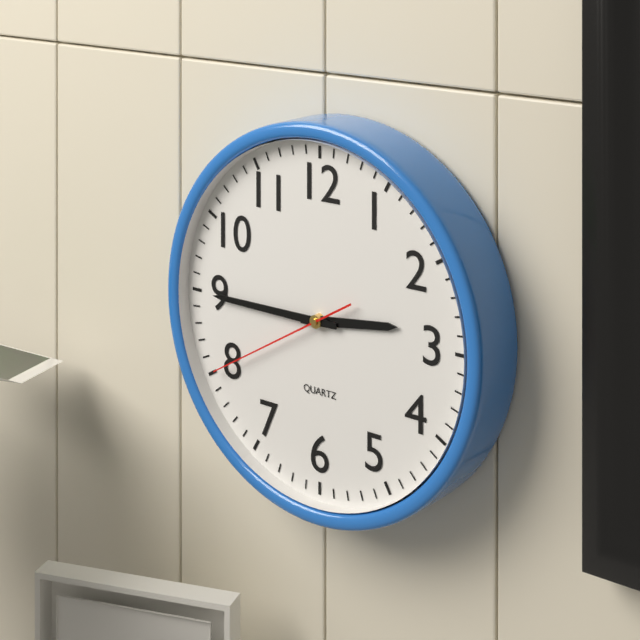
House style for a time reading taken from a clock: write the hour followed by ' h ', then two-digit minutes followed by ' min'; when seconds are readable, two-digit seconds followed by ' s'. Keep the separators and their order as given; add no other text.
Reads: 2 h 45 min 40 s
